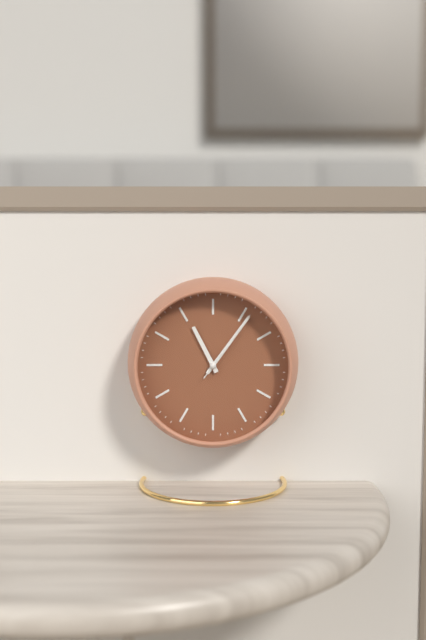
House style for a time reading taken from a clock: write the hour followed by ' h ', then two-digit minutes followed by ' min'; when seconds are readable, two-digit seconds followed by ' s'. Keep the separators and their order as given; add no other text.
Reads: 11 h 06 min 06 s
